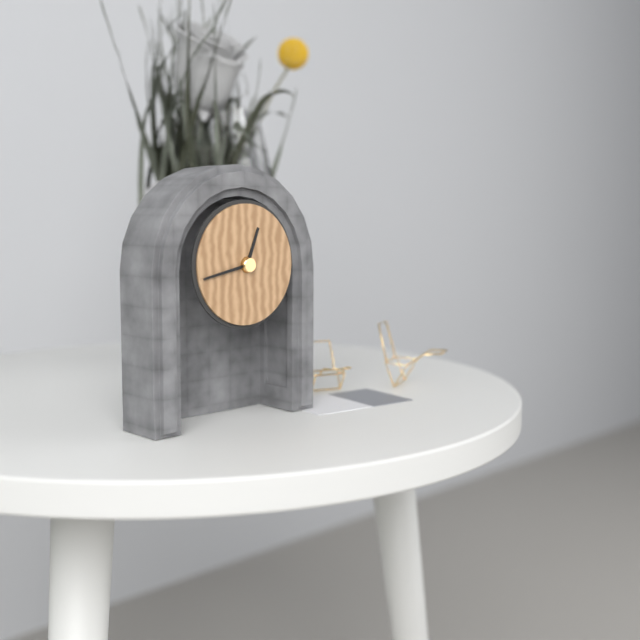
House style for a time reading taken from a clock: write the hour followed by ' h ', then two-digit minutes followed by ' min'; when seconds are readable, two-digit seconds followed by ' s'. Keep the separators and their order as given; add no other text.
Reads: 12 h 43 min
